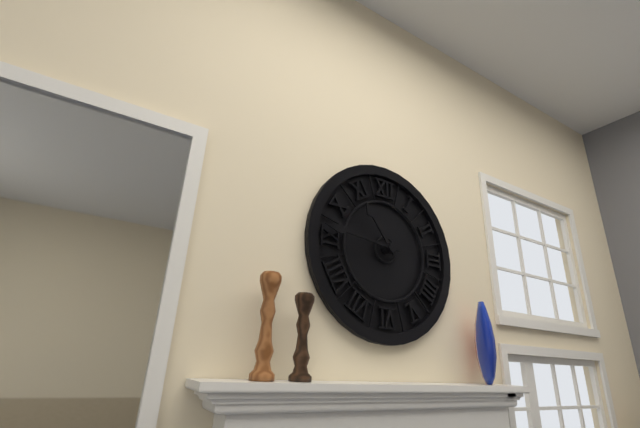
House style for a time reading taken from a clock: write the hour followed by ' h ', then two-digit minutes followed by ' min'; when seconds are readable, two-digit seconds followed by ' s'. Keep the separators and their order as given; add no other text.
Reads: 10 h 46 min
